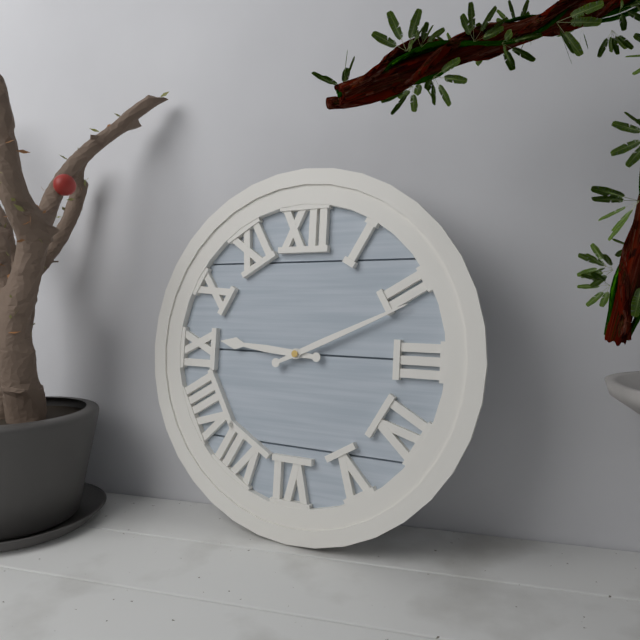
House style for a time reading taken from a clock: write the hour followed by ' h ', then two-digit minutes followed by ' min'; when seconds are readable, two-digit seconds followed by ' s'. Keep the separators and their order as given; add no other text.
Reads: 9 h 11 min
